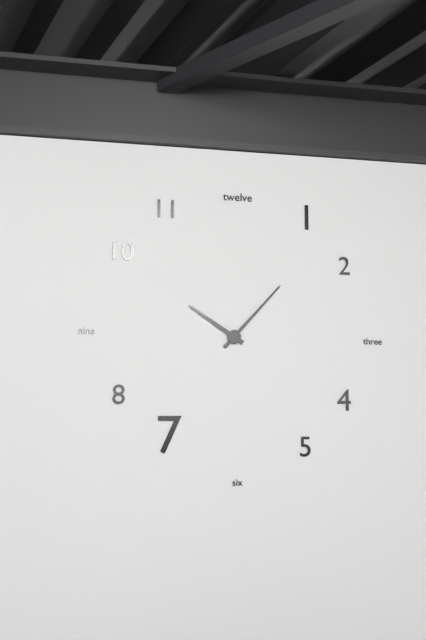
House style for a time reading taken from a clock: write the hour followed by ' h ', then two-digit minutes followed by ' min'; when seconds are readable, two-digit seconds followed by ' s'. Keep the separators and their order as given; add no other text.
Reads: 10 h 07 min
